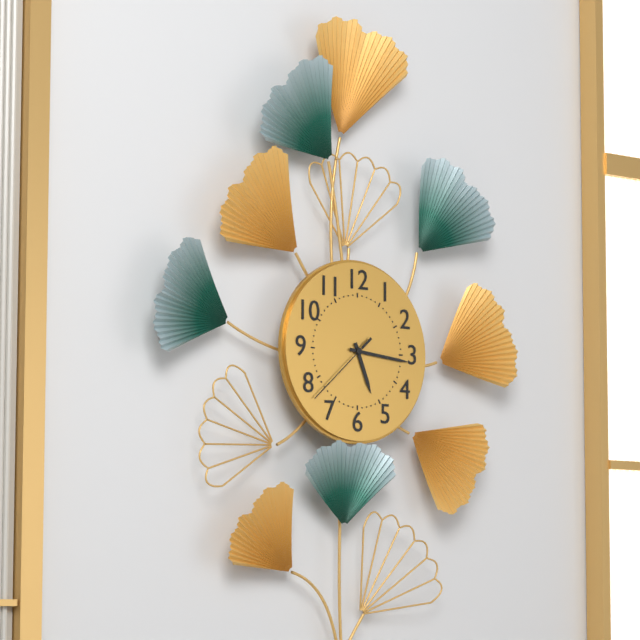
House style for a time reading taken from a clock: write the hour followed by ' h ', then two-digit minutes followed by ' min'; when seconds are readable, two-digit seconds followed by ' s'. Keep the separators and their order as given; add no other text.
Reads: 5 h 16 min 38 s
